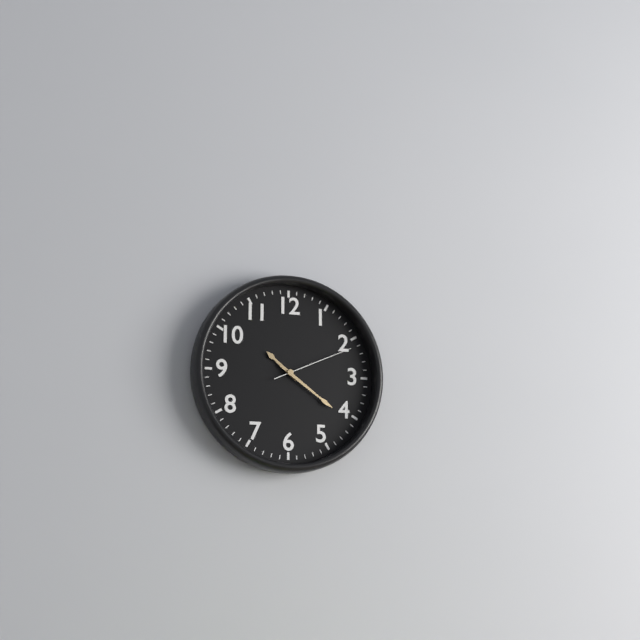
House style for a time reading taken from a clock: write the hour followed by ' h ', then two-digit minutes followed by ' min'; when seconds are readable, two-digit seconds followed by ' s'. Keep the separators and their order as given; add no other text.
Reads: 10 h 21 min 11 s
